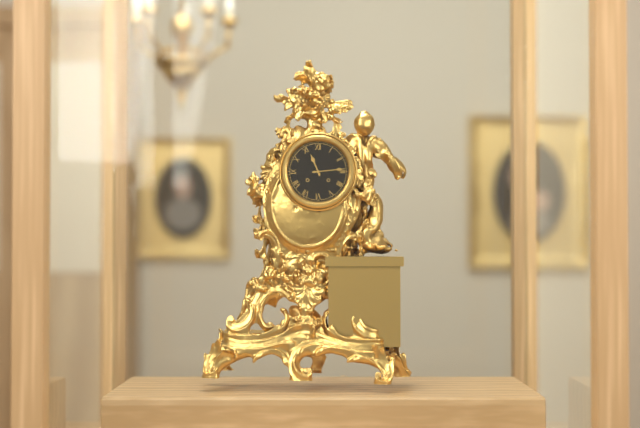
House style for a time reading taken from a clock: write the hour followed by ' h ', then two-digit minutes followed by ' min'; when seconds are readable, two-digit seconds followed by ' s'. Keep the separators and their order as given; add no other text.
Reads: 11 h 14 min
